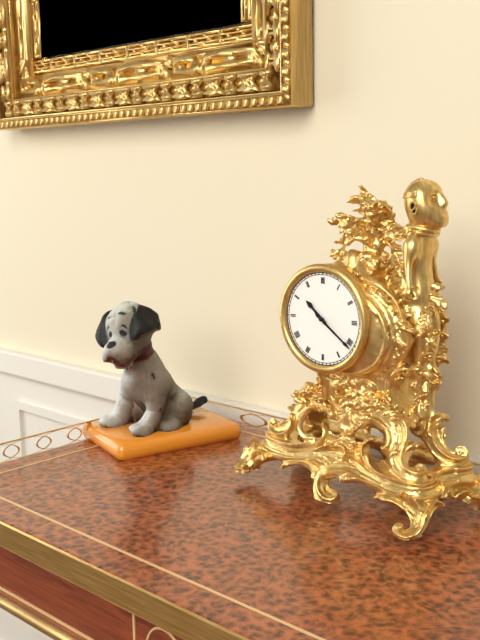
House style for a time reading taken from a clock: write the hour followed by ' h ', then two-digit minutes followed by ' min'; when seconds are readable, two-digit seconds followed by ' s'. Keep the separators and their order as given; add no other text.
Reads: 10 h 21 min
